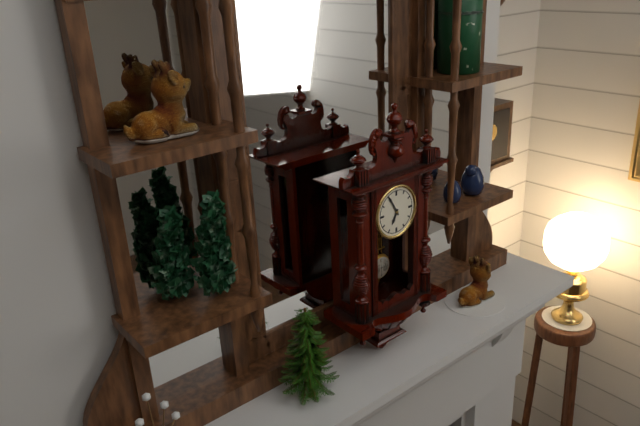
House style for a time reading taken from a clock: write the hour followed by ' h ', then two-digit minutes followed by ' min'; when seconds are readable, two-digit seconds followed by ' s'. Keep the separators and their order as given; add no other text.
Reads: 6 h 55 min
